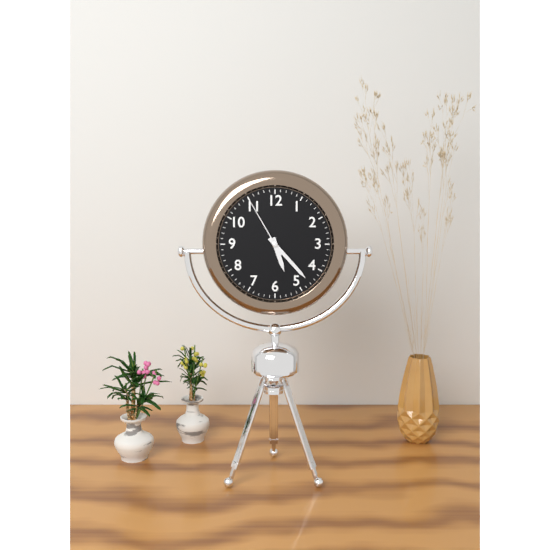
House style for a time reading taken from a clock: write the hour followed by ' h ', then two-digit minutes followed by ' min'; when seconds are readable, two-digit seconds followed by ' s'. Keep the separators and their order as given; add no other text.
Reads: 5 h 23 min 55 s
